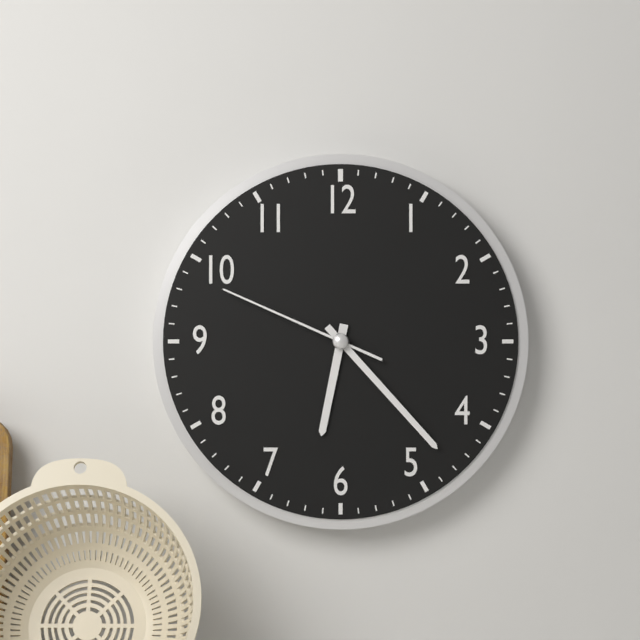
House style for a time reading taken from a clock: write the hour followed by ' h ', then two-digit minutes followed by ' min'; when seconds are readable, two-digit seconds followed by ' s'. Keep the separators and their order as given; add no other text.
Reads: 6 h 23 min 49 s
